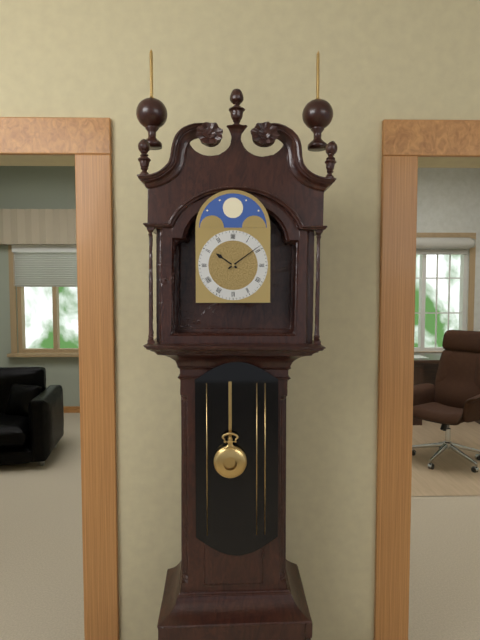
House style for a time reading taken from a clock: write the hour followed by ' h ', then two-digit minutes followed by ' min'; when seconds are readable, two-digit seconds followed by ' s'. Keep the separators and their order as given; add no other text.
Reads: 10 h 09 min
